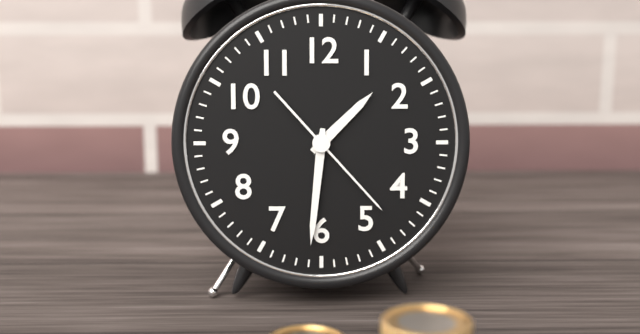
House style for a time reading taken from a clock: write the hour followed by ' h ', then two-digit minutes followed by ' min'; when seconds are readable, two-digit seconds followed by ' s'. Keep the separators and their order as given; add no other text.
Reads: 1 h 31 min 23 s
